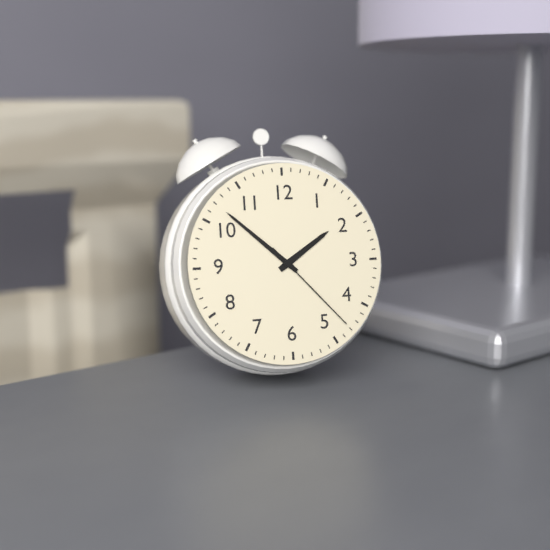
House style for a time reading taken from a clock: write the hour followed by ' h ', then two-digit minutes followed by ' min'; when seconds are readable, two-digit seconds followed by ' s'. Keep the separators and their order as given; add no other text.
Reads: 1 h 52 min 23 s
